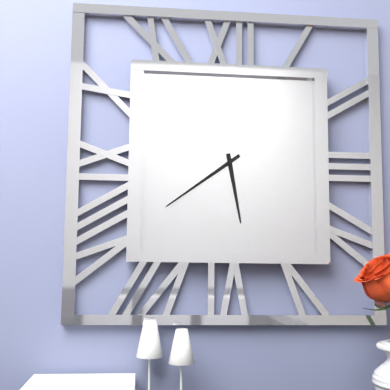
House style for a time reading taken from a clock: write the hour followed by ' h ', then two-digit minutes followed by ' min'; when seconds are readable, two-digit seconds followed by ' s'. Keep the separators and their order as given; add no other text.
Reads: 5 h 39 min
